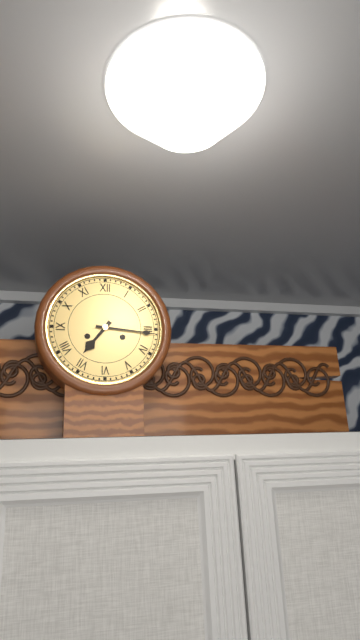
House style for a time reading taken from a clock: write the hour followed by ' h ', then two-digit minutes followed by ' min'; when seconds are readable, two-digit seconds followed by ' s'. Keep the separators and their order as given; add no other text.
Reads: 7 h 16 min
